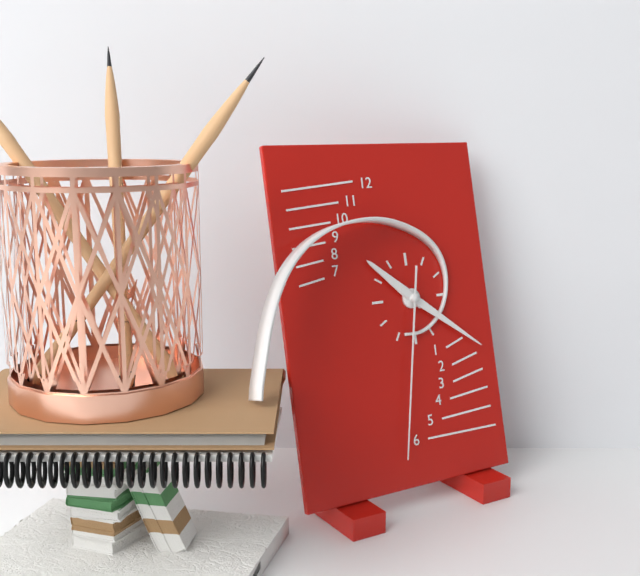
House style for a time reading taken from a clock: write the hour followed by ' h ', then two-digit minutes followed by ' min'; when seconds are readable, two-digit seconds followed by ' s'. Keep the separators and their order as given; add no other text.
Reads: 10 h 21 min 32 s
